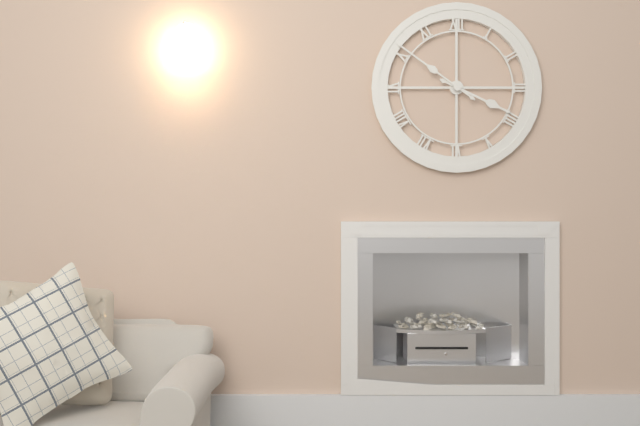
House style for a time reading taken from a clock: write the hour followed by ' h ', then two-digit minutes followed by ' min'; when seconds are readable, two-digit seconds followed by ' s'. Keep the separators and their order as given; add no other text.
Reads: 3 h 51 min
